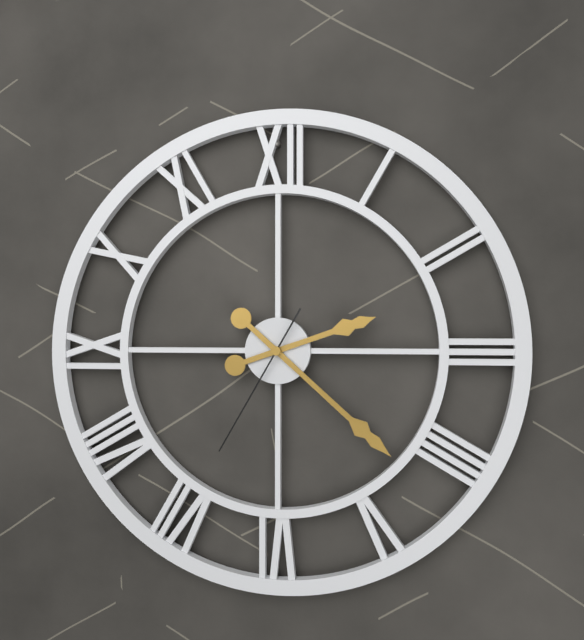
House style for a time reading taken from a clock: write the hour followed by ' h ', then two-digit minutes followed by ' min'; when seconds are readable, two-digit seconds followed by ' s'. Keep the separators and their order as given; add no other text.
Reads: 2 h 22 min 35 s
